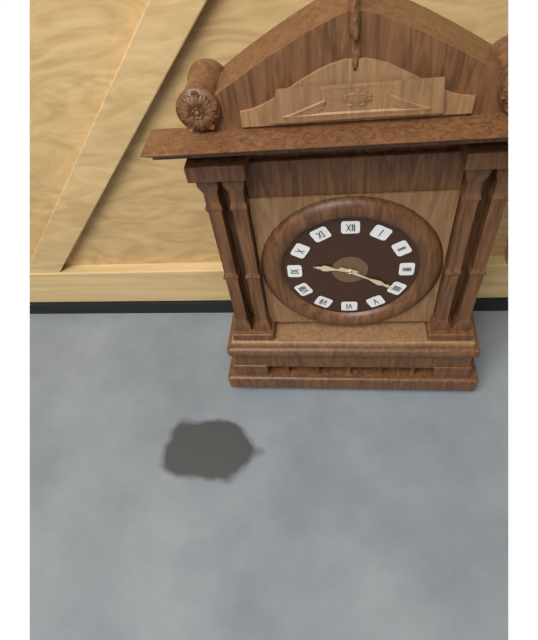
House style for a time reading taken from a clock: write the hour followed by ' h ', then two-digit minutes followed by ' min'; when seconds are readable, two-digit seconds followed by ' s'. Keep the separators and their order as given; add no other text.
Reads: 9 h 20 min
